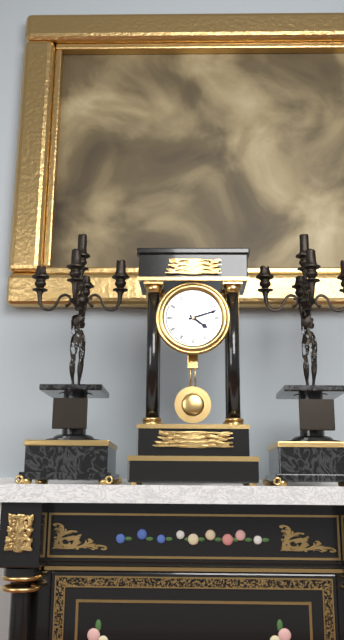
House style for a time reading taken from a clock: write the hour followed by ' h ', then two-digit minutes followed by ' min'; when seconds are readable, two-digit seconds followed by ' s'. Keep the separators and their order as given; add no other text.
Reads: 4 h 12 min
